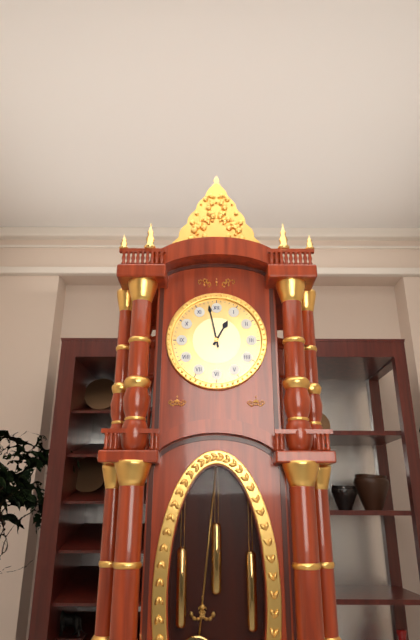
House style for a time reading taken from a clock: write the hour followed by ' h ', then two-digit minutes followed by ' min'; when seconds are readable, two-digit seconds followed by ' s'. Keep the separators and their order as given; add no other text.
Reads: 12 h 58 min
